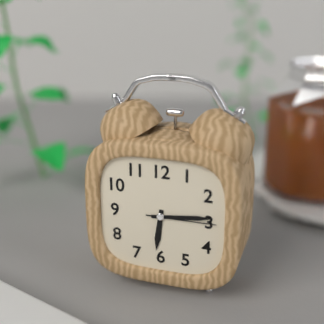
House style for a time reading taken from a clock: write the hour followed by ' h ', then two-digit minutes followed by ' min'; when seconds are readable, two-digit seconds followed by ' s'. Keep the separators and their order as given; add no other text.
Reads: 6 h 14 min 15 s
